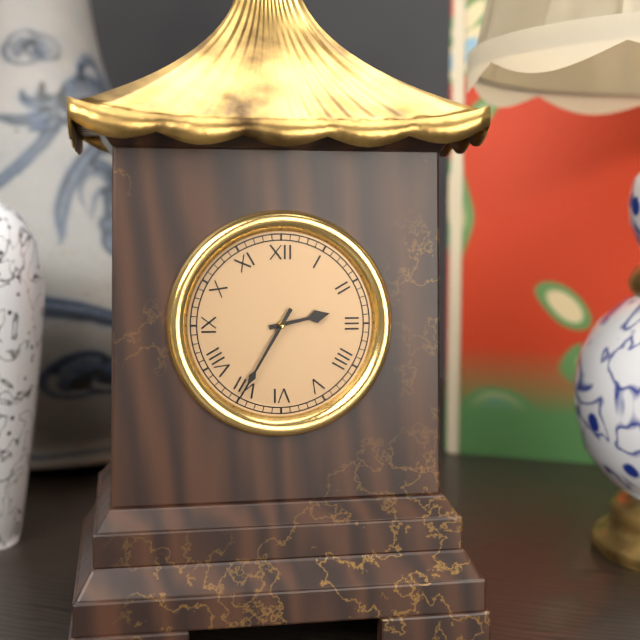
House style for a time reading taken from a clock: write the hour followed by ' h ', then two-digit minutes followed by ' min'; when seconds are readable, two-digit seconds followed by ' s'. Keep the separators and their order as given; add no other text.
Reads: 2 h 35 min
